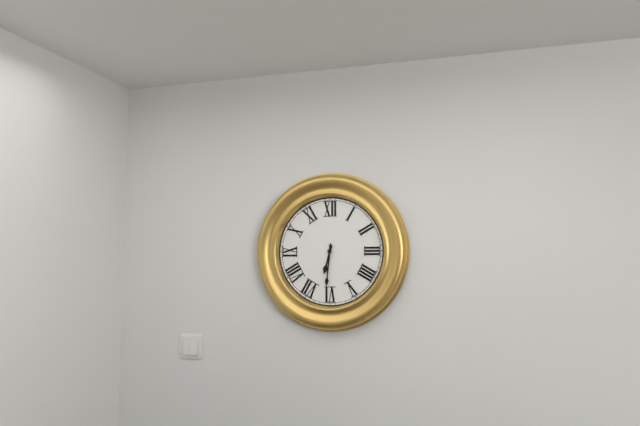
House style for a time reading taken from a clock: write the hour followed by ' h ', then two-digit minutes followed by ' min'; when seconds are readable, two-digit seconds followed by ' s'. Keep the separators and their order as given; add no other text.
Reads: 6 h 31 min
